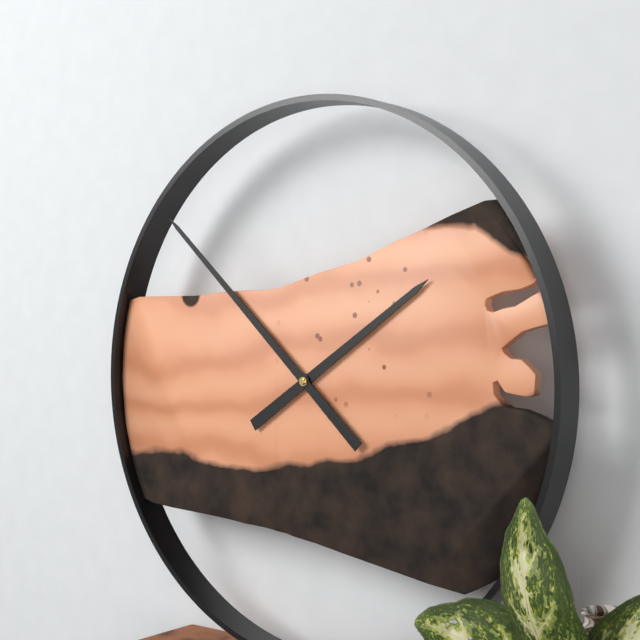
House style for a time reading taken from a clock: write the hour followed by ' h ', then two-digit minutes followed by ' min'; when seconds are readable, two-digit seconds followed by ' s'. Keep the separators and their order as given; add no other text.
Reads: 1 h 52 min
